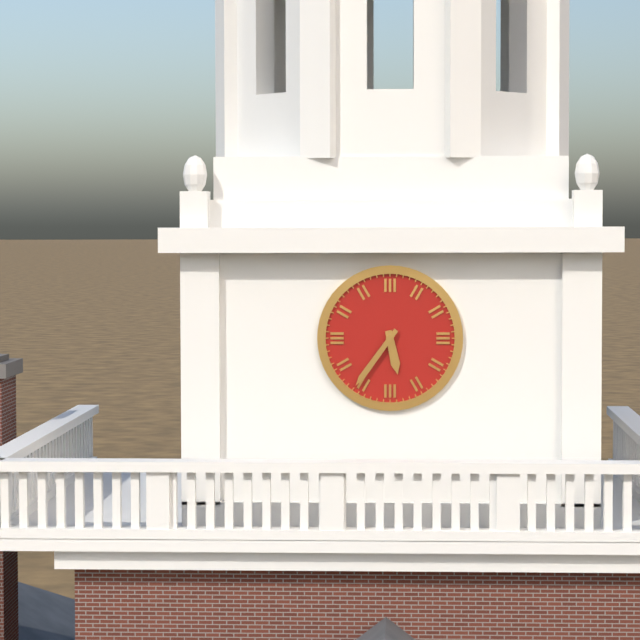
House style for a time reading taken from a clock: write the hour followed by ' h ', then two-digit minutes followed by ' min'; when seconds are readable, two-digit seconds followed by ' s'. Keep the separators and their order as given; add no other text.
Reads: 5 h 36 min
